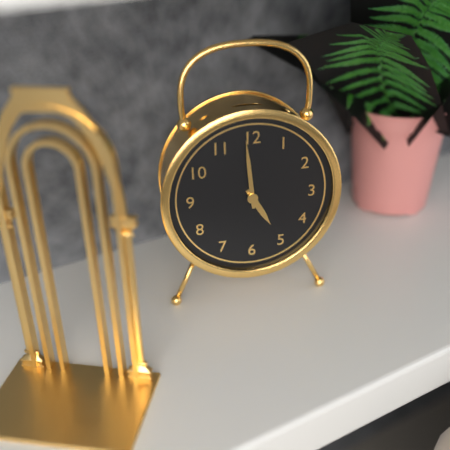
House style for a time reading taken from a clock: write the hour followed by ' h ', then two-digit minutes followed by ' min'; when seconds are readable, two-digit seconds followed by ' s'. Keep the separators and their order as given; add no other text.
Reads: 4 h 59 min
